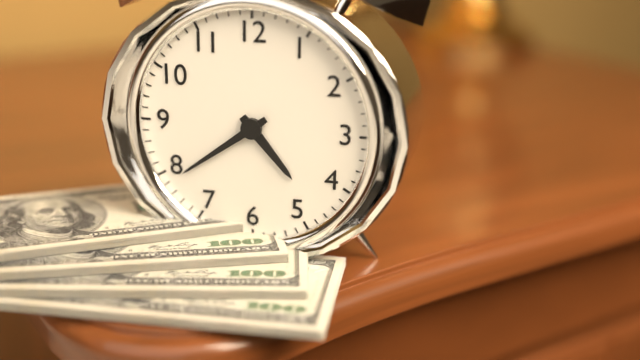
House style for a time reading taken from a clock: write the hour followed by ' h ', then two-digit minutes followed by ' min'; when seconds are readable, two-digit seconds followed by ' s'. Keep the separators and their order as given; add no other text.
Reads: 4 h 39 min
